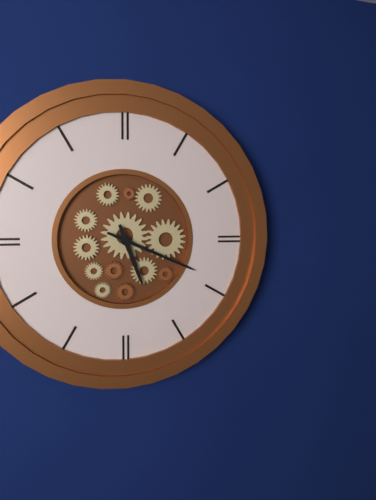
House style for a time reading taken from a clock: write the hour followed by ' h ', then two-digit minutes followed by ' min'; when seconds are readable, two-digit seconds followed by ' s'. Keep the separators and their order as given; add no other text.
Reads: 5 h 19 min
